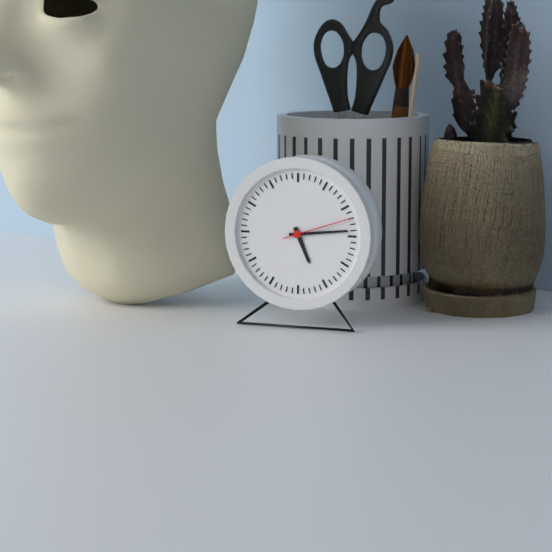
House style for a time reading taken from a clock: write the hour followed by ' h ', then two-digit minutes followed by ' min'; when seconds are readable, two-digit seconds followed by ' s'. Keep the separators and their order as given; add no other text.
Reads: 5 h 14 min 12 s
